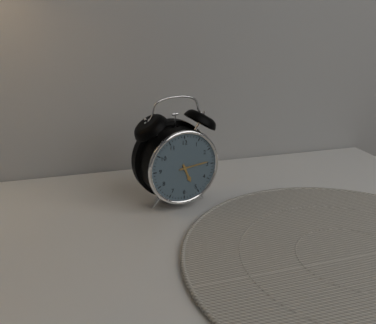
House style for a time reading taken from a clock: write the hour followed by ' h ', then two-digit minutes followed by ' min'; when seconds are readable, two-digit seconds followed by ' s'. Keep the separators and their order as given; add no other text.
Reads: 5 h 14 min
